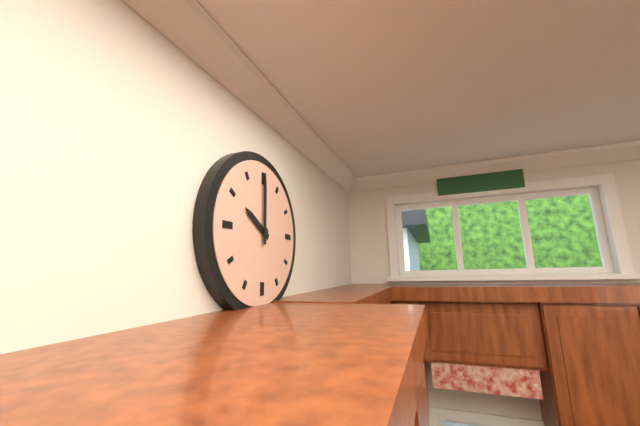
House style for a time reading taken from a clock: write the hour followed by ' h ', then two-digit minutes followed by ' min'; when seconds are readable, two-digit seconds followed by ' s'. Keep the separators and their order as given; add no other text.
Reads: 10 h 00 min
